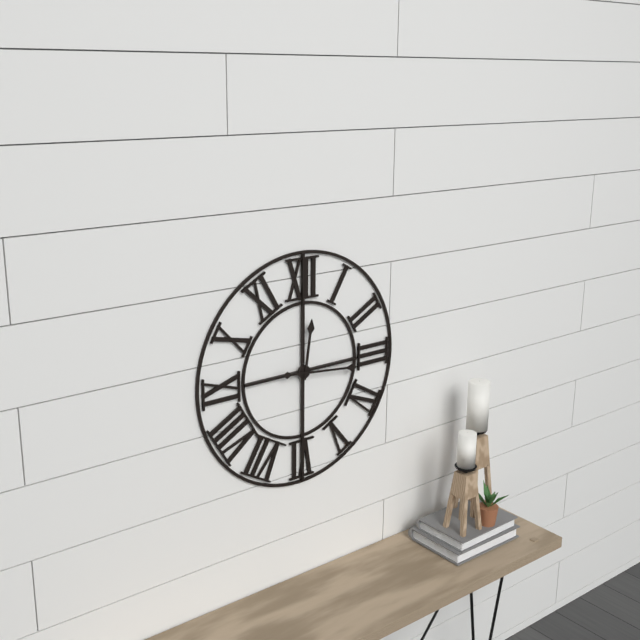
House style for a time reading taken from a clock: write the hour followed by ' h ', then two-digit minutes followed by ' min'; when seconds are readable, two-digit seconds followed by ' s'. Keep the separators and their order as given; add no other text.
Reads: 12 h 16 min
